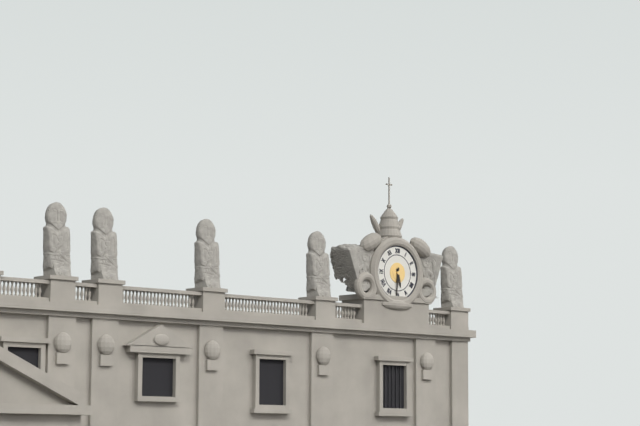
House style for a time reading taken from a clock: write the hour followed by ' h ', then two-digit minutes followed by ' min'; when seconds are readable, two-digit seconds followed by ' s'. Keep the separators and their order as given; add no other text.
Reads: 5 h 31 min
